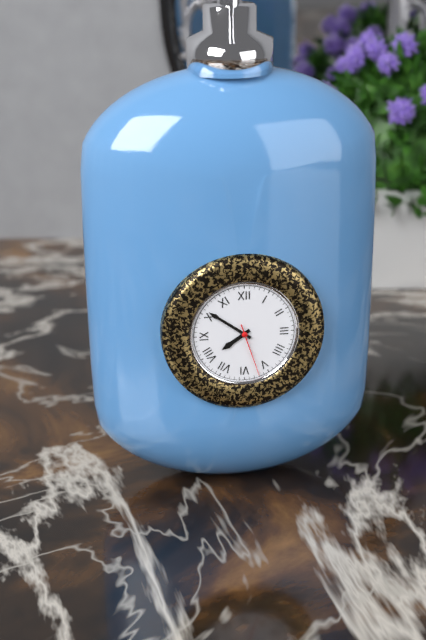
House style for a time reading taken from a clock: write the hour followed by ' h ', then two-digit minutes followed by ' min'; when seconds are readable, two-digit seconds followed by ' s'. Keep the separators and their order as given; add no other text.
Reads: 7 h 51 min 27 s
